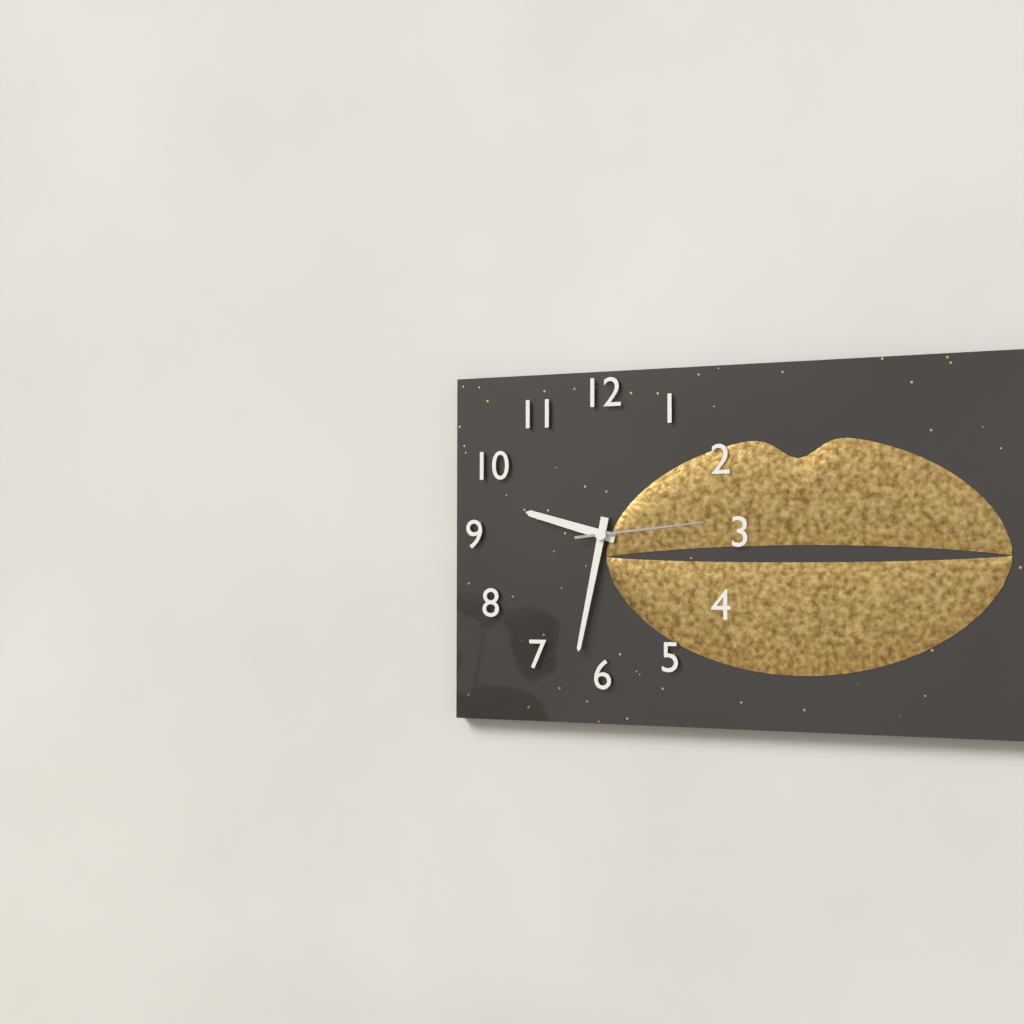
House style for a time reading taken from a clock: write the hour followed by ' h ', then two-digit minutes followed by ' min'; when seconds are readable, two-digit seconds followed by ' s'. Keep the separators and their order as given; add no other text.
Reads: 9 h 32 min 14 s
